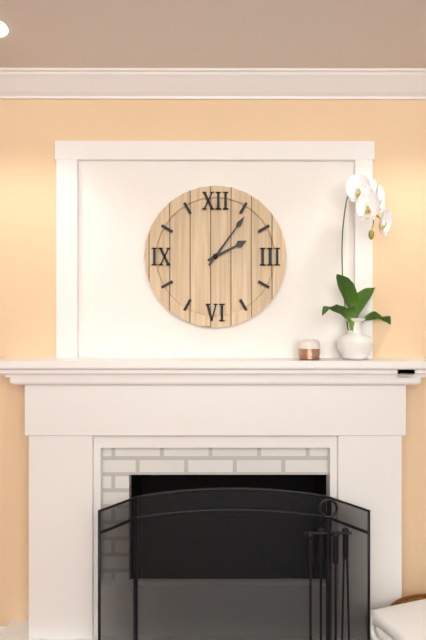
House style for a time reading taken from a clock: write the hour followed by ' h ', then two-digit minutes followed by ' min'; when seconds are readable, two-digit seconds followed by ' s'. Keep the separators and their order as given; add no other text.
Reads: 2 h 06 min
